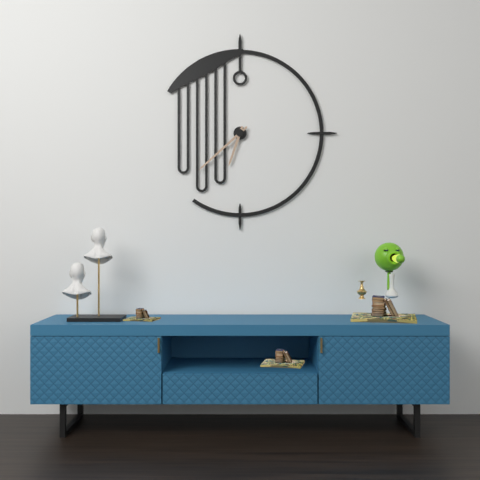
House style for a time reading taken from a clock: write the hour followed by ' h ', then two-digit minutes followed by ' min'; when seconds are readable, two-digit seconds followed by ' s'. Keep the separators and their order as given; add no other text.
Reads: 6 h 38 min
